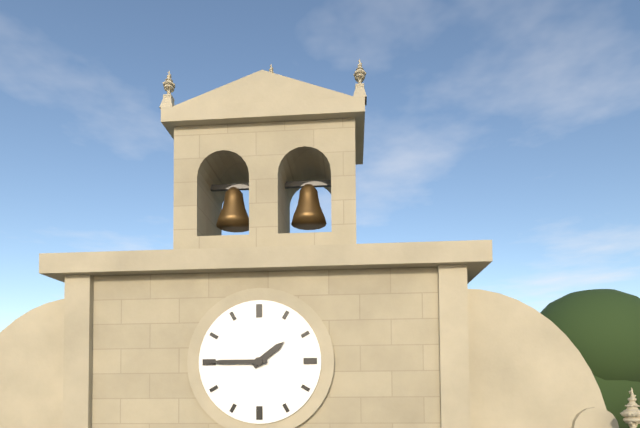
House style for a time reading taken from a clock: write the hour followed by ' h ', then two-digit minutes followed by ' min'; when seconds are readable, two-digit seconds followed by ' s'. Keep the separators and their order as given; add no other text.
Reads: 1 h 45 min
